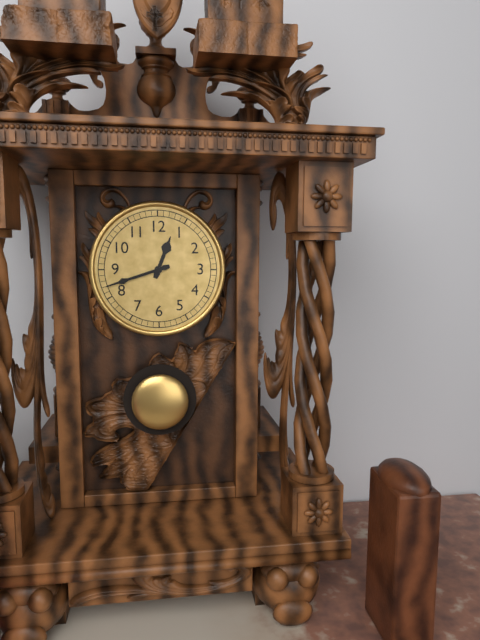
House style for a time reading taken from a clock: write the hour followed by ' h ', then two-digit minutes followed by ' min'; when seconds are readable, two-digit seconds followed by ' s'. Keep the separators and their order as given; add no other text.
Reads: 12 h 42 min
